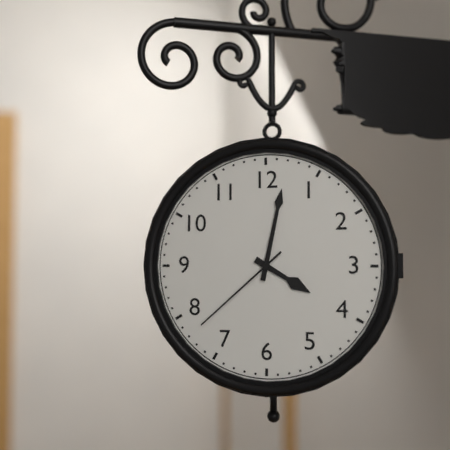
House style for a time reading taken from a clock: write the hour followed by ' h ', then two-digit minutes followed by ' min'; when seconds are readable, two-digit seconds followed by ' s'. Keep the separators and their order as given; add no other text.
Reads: 4 h 02 min 38 s
